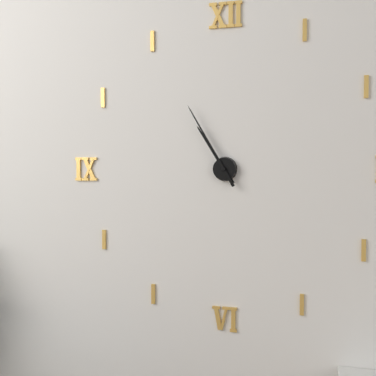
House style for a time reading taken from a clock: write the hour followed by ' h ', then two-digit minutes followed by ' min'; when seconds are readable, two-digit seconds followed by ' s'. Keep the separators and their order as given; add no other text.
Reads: 10 h 55 min
